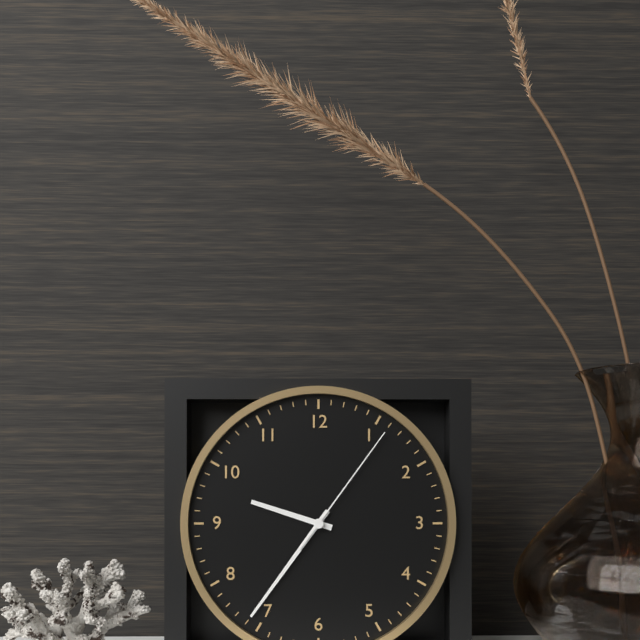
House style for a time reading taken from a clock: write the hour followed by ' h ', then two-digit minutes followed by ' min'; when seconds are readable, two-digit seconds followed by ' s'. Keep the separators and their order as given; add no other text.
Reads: 9 h 36 min 06 s
